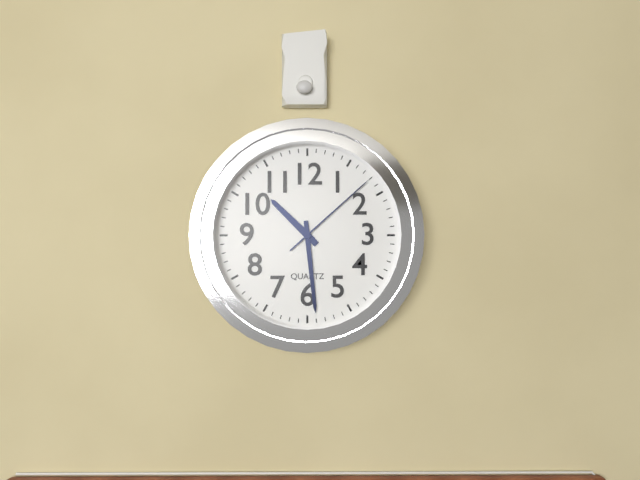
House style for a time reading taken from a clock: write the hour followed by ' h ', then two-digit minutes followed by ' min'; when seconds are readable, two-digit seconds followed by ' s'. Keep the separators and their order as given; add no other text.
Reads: 10 h 29 min 08 s
